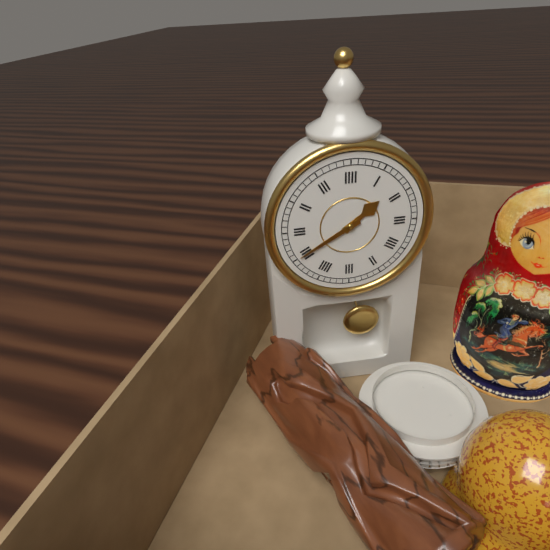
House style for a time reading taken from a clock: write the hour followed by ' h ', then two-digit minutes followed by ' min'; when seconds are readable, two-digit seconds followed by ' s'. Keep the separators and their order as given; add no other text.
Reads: 1 h 40 min
